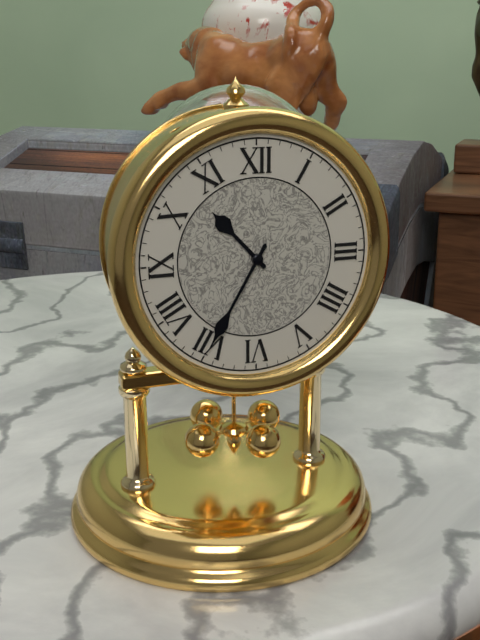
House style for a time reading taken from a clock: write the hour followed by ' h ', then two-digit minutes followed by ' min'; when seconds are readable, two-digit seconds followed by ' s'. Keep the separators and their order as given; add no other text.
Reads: 10 h 35 min
